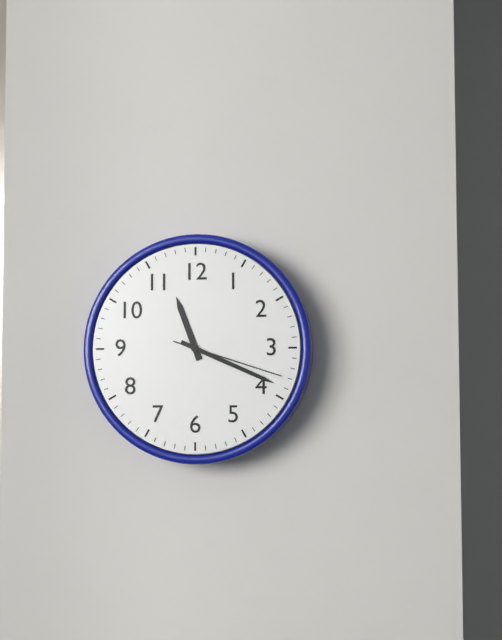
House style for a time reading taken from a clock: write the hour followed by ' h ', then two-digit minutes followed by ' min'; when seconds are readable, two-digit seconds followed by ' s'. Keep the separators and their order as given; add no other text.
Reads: 11 h 19 min 18 s
